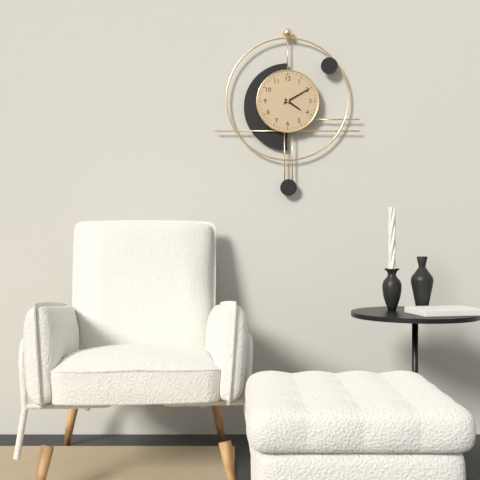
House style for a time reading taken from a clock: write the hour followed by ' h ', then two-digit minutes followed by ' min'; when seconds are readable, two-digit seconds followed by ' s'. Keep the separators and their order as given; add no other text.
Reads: 4 h 10 min
